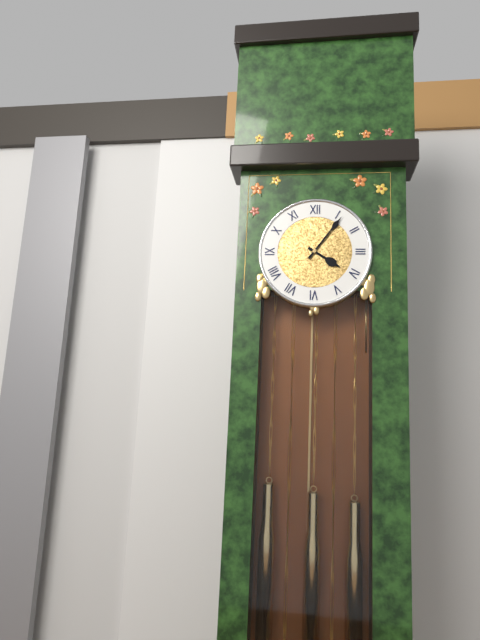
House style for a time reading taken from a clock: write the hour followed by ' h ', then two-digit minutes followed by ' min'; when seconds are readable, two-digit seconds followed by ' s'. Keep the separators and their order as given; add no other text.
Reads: 4 h 06 min
